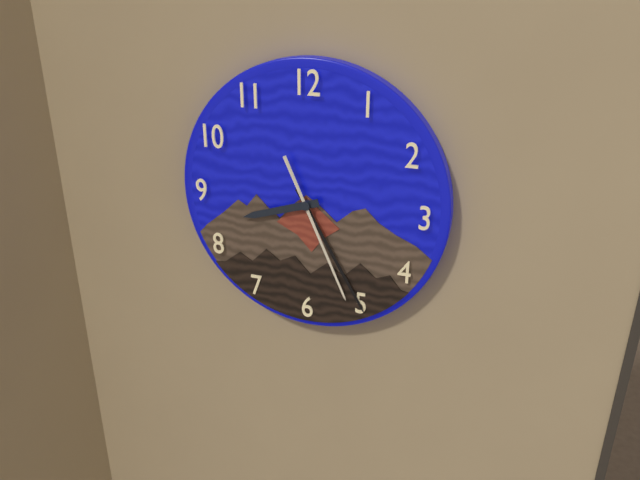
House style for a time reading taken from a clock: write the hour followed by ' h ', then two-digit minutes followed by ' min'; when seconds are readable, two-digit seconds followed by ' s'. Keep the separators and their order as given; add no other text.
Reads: 8 h 25 min 26 s
